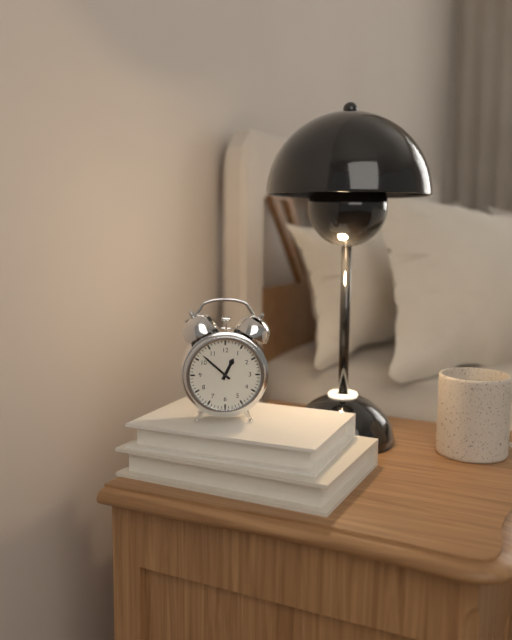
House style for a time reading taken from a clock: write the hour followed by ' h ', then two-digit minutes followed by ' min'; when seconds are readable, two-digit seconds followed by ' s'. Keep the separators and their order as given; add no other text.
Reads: 12 h 52 min
